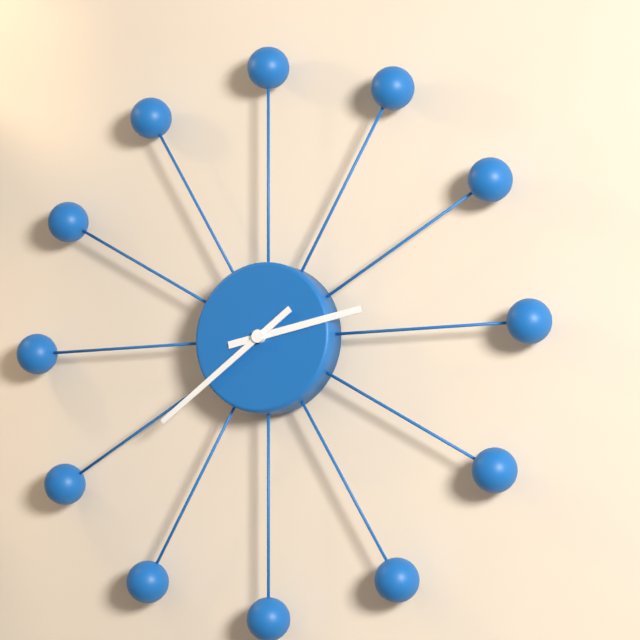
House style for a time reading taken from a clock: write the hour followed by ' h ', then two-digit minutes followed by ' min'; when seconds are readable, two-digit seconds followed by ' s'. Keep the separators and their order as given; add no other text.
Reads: 2 h 39 min
